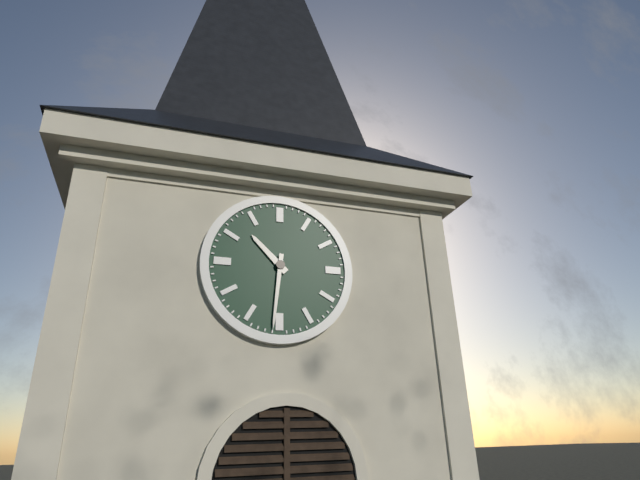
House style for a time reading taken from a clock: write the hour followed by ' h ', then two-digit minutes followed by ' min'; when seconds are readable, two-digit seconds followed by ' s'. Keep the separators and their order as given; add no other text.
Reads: 10 h 31 min
